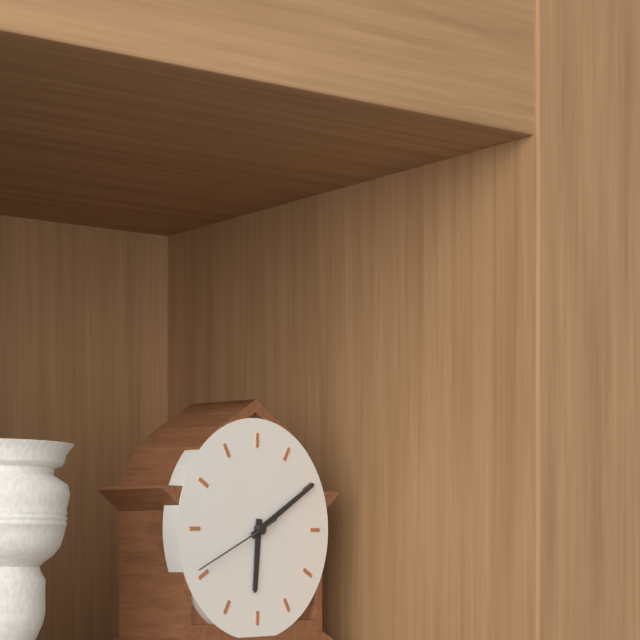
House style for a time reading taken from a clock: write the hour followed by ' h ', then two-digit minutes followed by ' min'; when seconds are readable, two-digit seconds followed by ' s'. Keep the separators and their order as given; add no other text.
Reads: 6 h 10 min 41 s
